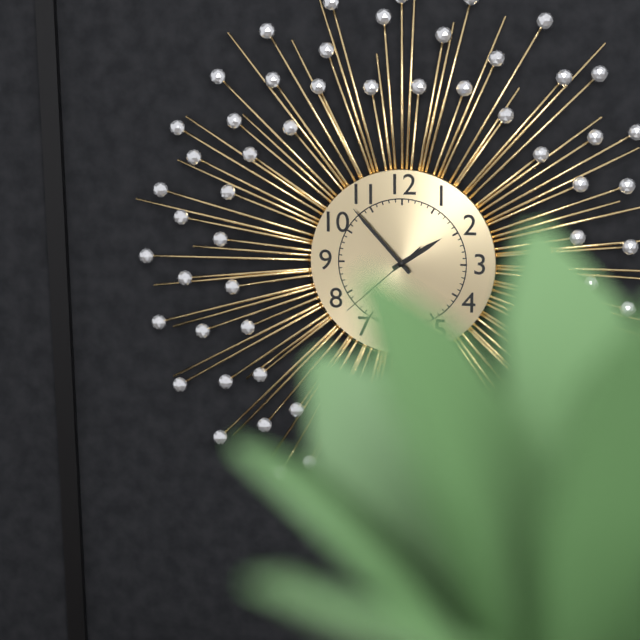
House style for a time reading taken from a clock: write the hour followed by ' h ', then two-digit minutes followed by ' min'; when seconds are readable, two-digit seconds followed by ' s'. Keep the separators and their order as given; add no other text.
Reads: 1 h 53 min 38 s
